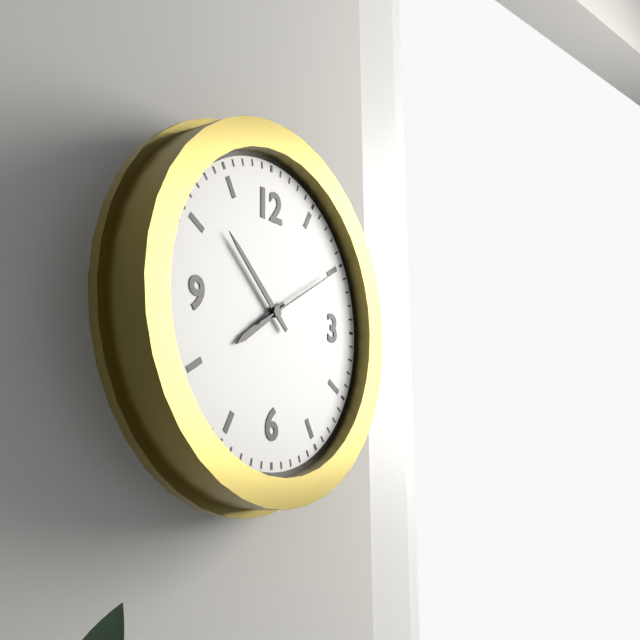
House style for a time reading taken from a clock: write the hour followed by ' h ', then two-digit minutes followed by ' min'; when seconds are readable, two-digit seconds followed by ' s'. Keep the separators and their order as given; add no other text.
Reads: 7 h 52 min 10 s
